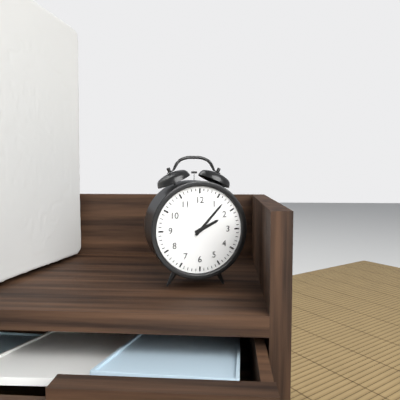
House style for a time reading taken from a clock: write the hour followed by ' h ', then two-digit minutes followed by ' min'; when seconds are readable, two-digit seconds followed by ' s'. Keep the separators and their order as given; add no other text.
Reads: 2 h 07 min
